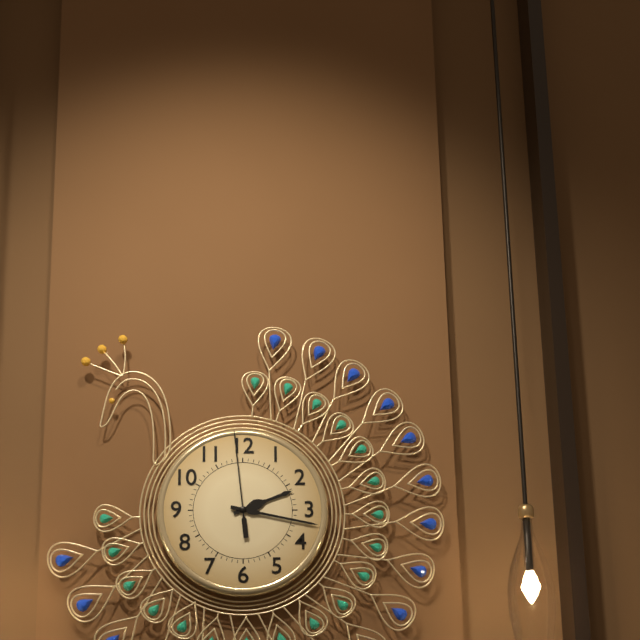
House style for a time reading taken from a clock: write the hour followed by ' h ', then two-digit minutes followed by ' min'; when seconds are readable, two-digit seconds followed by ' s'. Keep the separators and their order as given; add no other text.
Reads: 2 h 17 min 59 s
